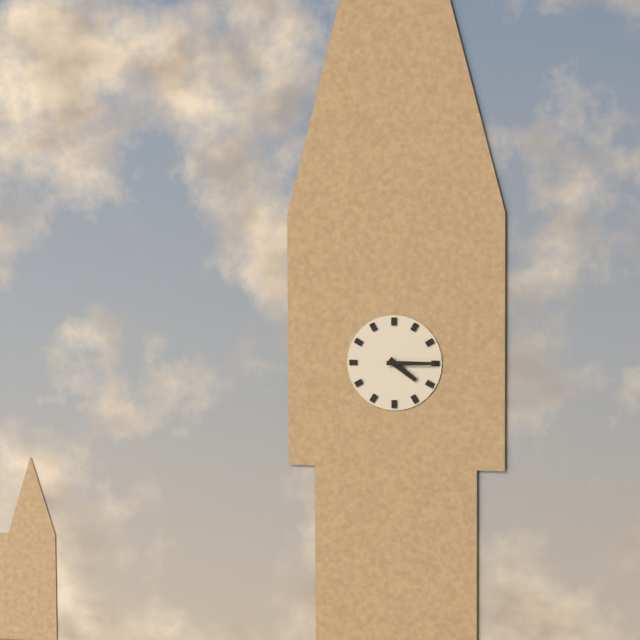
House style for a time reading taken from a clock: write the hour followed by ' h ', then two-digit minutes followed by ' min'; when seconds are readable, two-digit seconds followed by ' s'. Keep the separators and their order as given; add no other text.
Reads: 4 h 15 min
